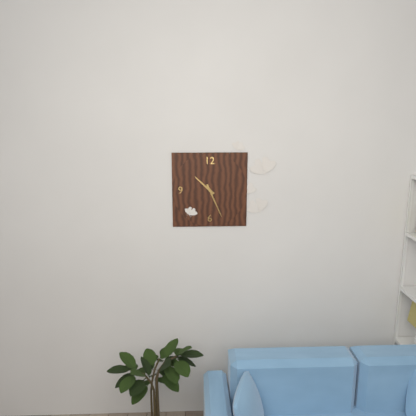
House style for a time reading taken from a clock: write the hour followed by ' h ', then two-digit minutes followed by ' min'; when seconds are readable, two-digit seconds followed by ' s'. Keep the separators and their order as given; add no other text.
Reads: 10 h 26 min
